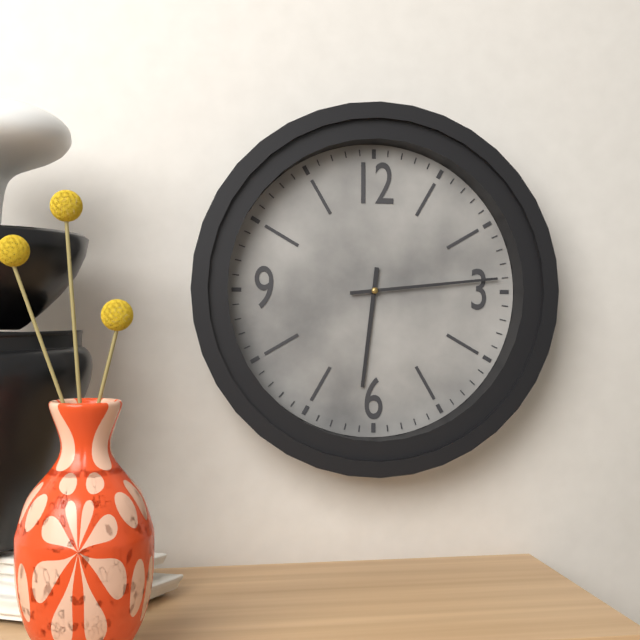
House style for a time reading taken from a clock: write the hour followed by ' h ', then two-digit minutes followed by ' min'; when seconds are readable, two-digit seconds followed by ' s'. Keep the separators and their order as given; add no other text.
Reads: 6 h 14 min
